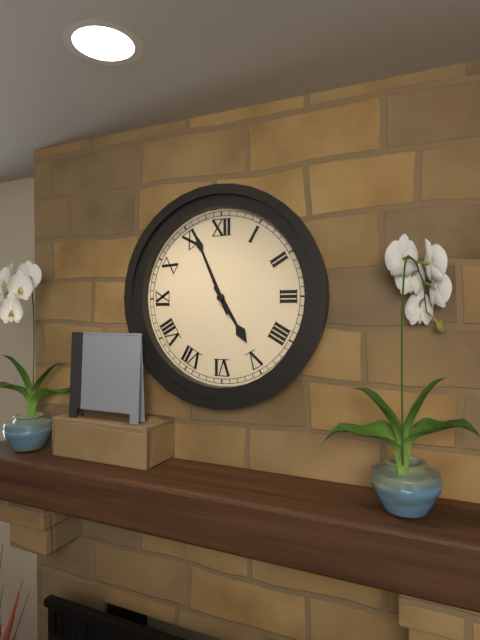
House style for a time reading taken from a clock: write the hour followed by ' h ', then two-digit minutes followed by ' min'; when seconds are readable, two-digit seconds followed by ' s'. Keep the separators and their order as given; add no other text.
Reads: 4 h 56 min
